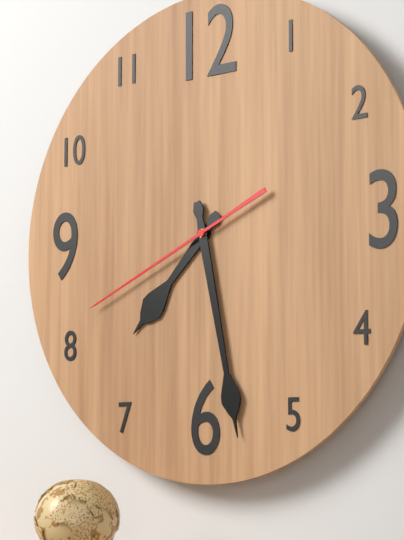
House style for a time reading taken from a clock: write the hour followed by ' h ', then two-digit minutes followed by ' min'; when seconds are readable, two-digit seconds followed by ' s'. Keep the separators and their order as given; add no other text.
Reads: 7 h 28 min 41 s
